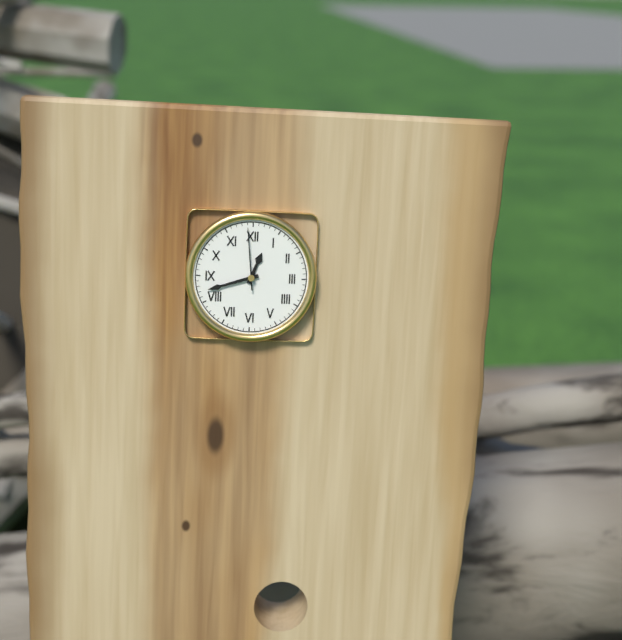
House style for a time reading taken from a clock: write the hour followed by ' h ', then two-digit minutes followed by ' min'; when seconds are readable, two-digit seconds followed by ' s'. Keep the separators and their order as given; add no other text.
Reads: 12 h 42 min 59 s
